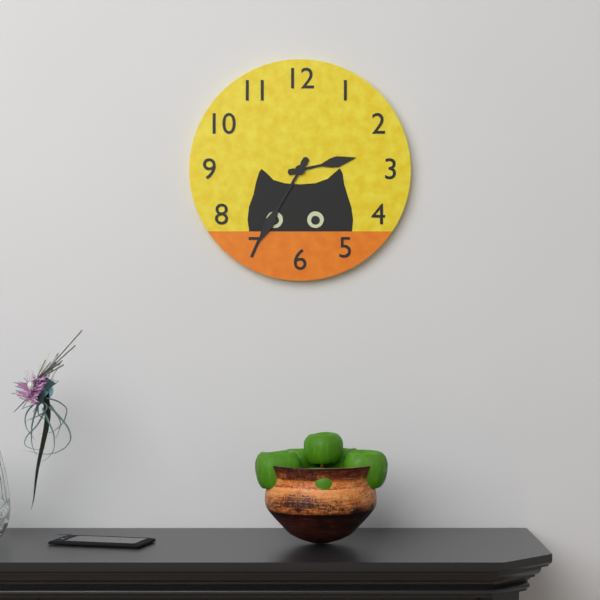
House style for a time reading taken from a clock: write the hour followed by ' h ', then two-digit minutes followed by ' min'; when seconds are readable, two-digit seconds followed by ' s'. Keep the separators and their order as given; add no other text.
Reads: 2 h 35 min
